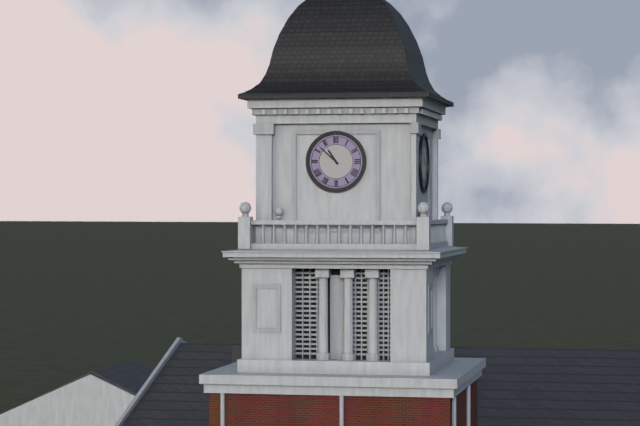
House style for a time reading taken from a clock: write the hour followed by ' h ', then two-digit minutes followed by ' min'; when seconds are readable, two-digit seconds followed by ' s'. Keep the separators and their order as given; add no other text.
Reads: 10 h 52 min
